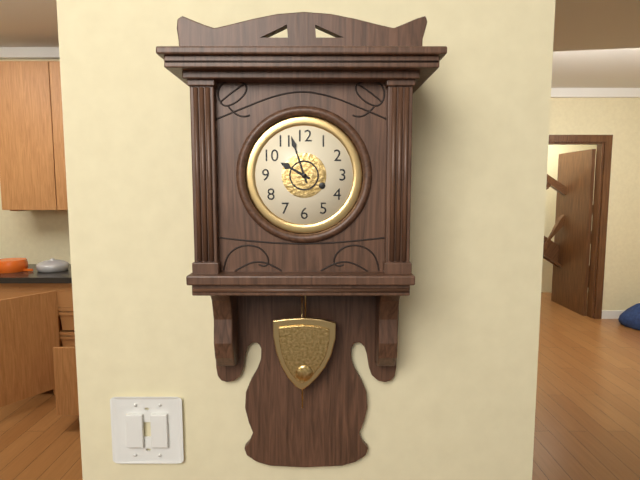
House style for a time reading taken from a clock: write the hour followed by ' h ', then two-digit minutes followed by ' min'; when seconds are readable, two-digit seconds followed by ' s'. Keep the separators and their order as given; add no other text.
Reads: 9 h 57 min
